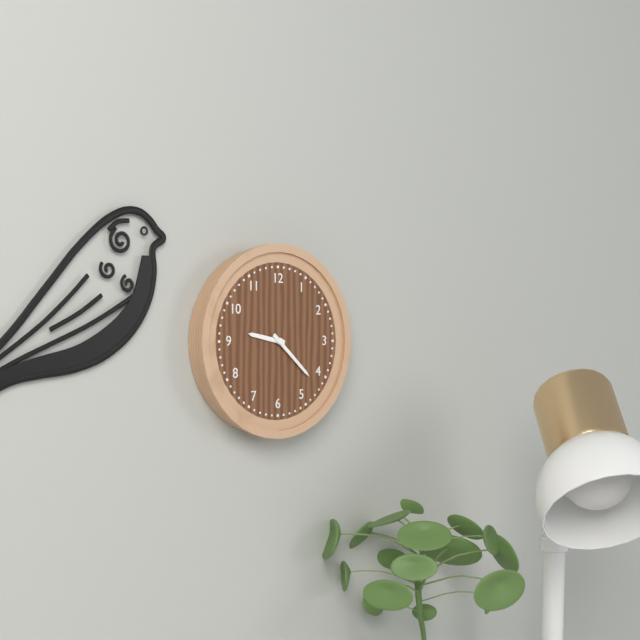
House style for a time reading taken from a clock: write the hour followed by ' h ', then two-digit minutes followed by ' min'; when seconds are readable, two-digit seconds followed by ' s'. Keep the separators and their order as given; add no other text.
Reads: 9 h 22 min
